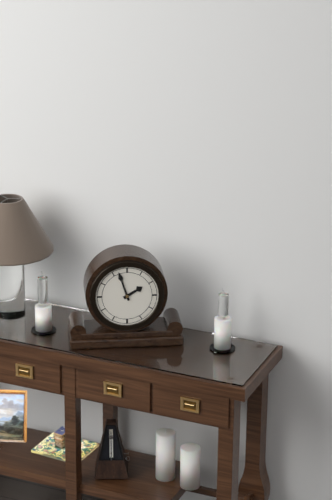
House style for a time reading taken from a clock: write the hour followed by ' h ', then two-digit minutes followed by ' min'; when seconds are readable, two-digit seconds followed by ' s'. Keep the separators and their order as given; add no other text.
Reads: 1 h 57 min
